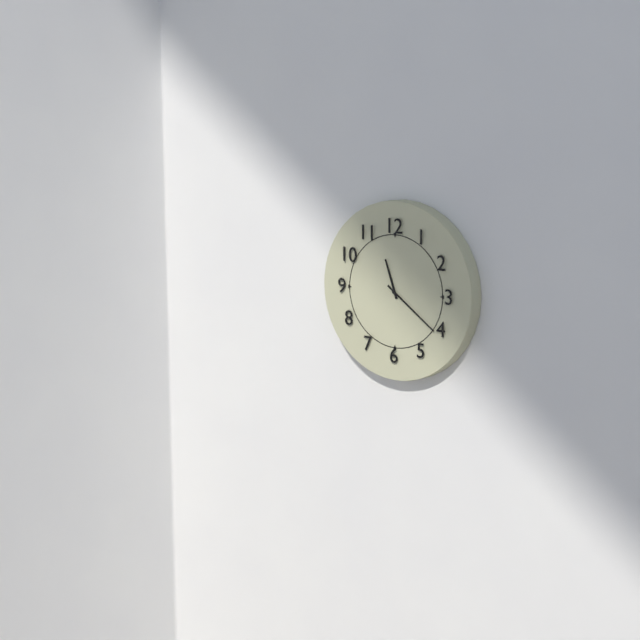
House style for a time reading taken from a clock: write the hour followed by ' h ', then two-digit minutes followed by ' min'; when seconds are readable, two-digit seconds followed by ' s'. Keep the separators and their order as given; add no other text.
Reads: 11 h 21 min
